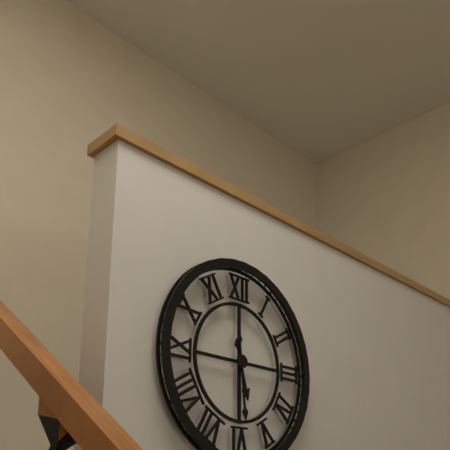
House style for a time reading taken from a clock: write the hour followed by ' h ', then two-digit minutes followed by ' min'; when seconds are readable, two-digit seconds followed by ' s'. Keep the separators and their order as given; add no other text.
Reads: 5 h 29 min
